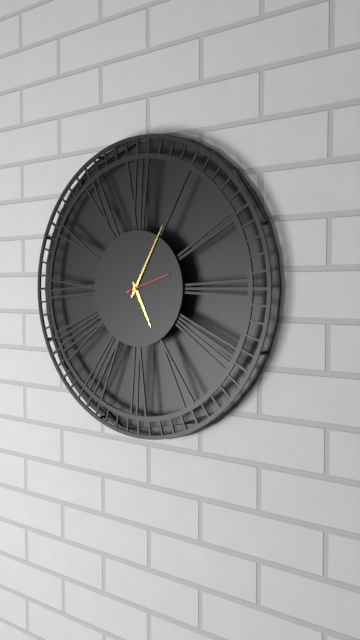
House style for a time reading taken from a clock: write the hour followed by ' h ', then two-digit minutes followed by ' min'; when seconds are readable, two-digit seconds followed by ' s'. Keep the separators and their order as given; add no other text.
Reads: 5 h 05 min
